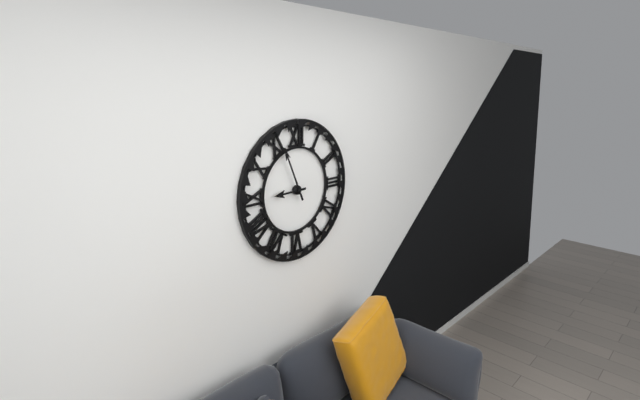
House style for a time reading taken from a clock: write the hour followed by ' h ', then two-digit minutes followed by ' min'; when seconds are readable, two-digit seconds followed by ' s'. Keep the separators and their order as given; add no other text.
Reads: 8 h 56 min
